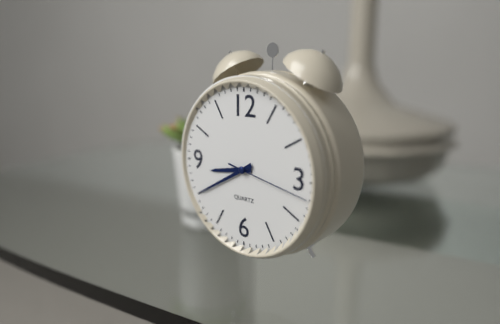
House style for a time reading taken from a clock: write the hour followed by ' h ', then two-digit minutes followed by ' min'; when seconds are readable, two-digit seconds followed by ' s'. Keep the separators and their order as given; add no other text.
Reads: 8 h 40 min 17 s
